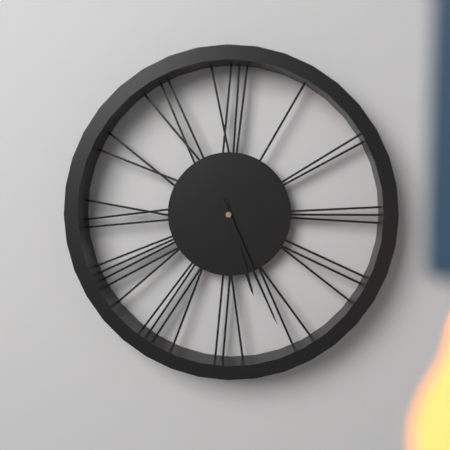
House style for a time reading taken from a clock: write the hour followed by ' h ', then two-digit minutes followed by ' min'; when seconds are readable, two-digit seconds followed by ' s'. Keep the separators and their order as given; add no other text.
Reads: 5 h 26 min
